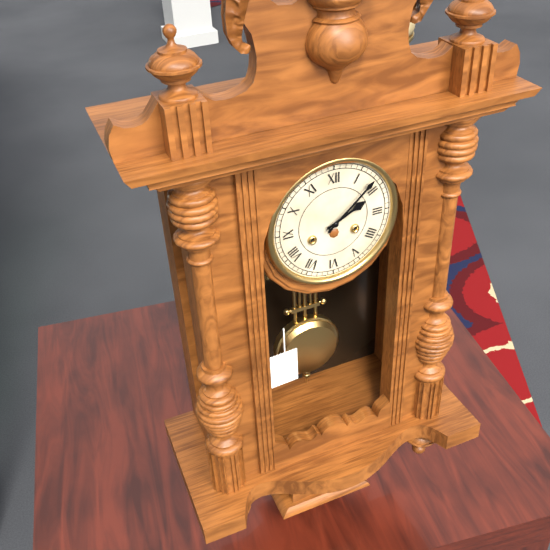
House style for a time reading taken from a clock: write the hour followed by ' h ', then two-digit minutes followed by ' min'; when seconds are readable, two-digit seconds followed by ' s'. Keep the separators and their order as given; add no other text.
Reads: 2 h 08 min
